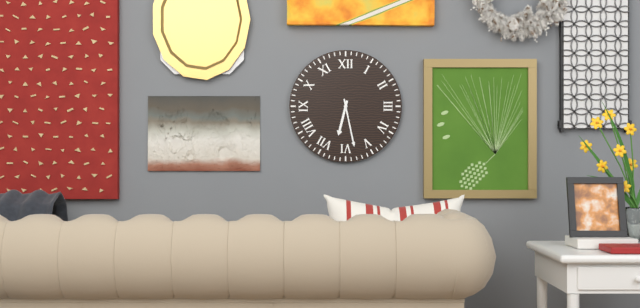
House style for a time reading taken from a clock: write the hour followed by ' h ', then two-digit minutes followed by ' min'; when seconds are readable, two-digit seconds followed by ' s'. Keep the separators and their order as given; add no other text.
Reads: 6 h 28 min
